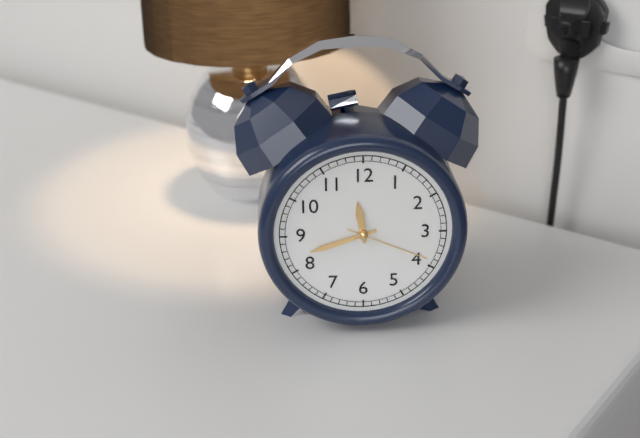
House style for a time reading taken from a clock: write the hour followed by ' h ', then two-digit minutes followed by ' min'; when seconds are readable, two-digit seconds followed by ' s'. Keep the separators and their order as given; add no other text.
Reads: 11 h 42 min 19 s
